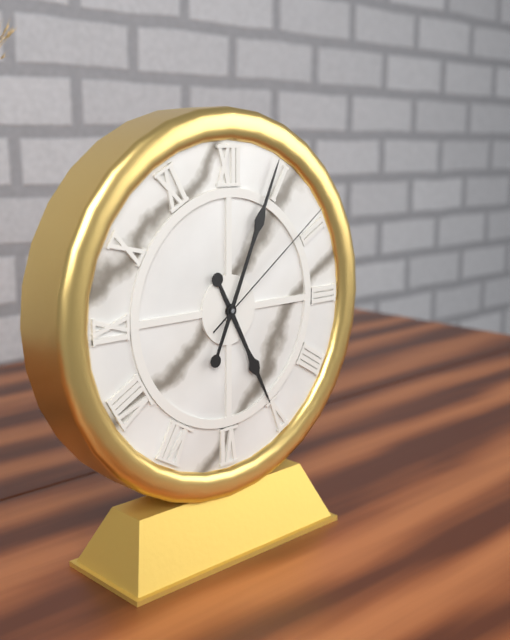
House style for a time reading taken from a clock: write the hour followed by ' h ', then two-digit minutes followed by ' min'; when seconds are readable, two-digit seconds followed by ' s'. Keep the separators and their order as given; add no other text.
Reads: 5 h 04 min 09 s
